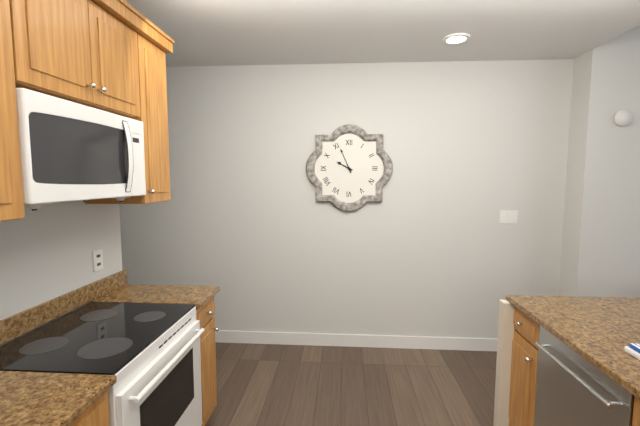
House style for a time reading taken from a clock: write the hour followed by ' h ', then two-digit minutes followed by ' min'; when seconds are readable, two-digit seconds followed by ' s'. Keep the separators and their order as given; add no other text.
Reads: 9 h 56 min
